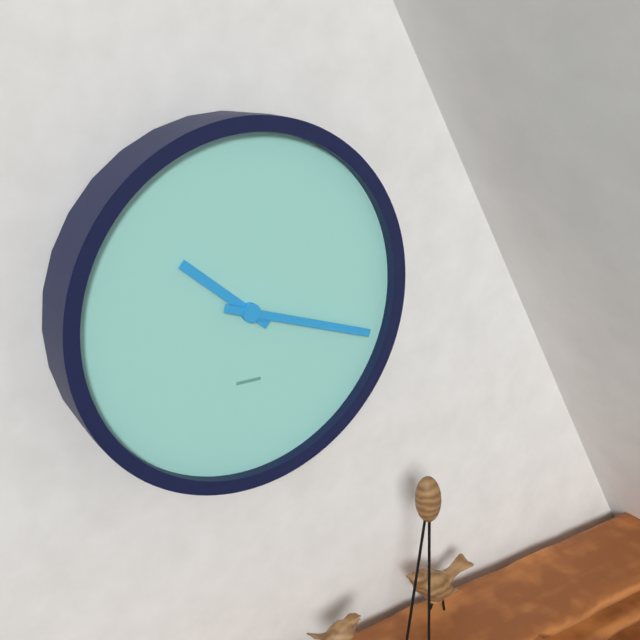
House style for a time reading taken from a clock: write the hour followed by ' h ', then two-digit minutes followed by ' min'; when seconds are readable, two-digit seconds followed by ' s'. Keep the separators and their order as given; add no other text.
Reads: 10 h 18 min
